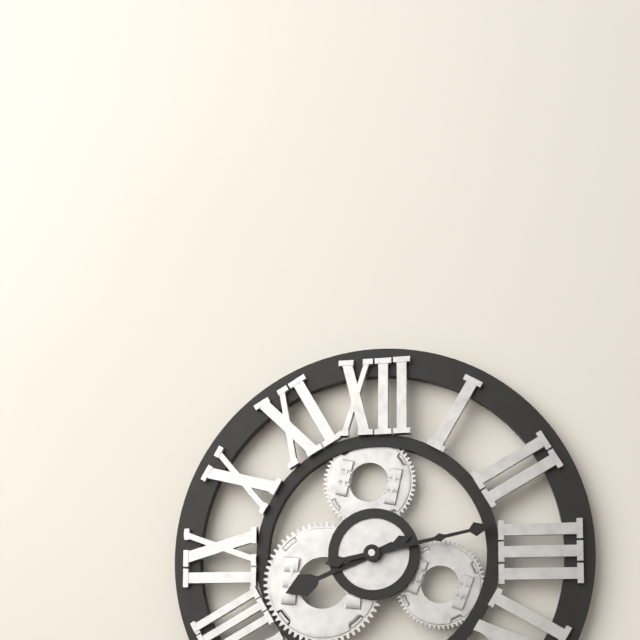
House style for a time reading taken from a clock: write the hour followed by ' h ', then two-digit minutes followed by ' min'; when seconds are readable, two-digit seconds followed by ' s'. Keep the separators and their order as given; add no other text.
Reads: 8 h 13 min
